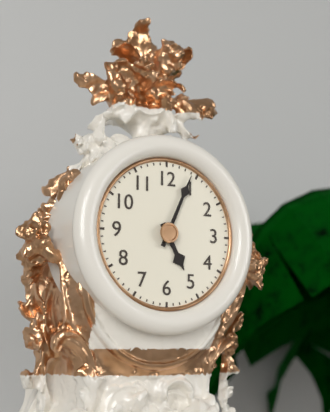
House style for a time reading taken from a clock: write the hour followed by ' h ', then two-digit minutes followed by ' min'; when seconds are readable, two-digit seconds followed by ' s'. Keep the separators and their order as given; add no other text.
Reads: 5 h 04 min
